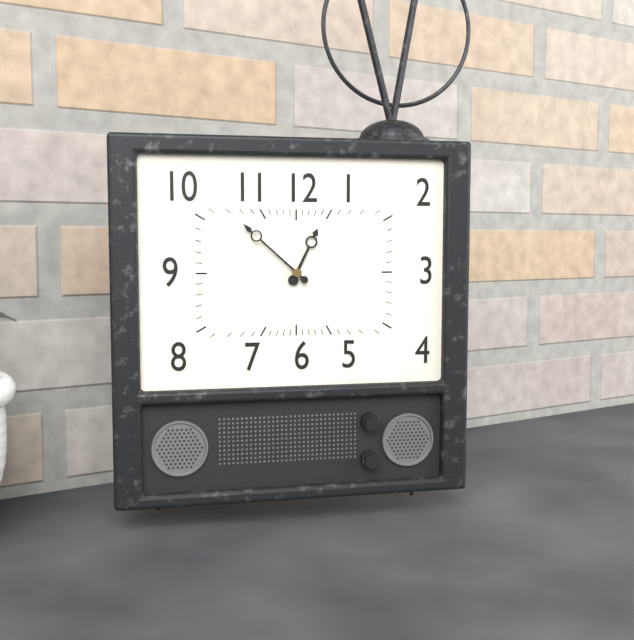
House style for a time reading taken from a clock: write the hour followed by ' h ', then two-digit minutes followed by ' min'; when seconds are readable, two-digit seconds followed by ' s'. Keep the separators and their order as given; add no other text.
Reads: 12 h 52 min
